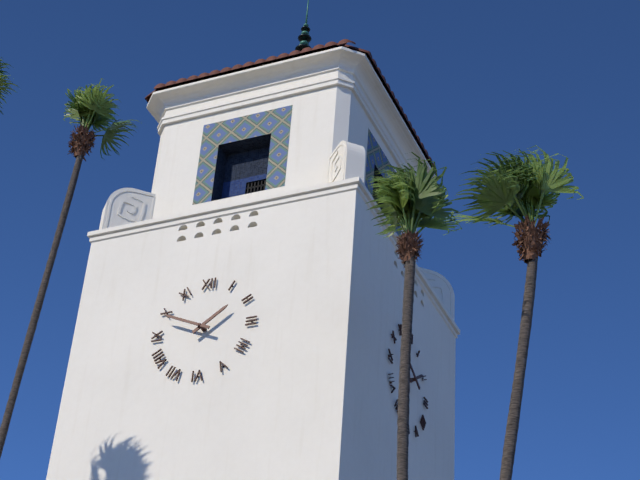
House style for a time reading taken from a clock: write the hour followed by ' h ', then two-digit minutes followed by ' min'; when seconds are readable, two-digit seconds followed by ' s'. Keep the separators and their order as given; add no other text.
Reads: 1 h 49 min
